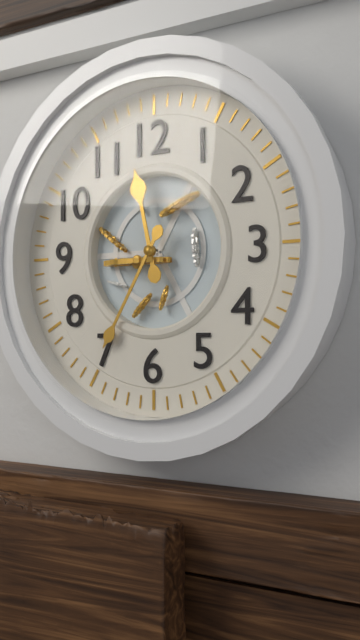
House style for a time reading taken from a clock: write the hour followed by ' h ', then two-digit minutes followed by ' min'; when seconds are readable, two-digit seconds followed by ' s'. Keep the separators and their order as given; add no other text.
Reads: 11 h 35 min
